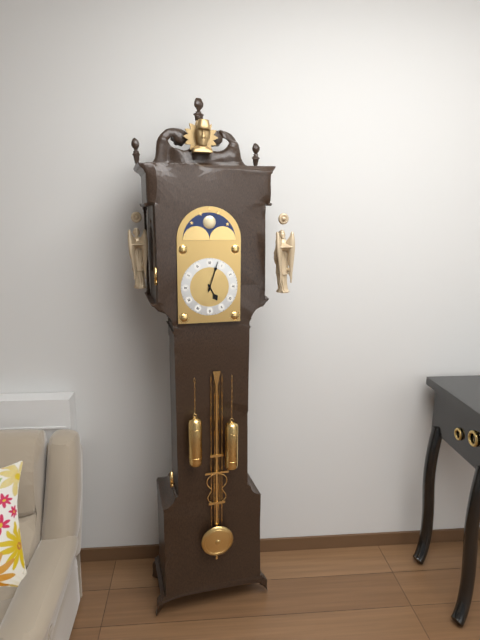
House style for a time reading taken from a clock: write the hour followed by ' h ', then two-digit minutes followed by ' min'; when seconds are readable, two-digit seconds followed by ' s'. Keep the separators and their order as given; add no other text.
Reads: 5 h 03 min
